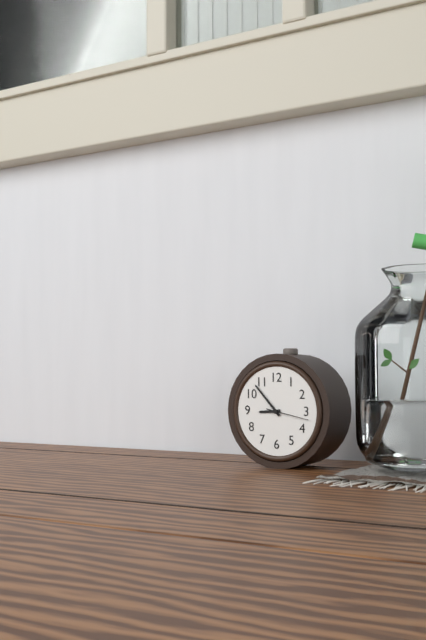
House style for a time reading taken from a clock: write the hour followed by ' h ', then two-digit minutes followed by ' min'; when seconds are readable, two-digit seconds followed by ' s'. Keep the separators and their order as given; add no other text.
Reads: 8 h 53 min
